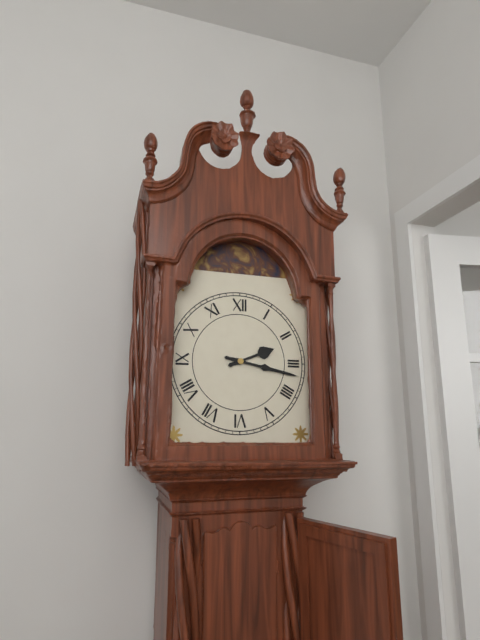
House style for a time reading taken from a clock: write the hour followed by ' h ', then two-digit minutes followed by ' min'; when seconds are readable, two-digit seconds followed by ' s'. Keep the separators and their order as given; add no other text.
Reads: 2 h 17 min
